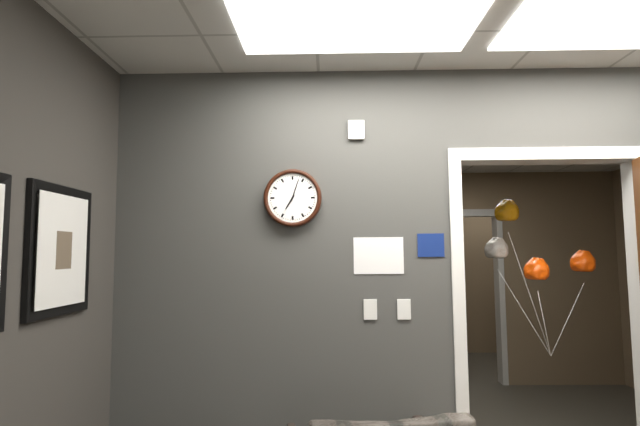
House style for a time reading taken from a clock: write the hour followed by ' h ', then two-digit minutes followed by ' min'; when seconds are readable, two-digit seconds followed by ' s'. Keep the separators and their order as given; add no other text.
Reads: 7 h 03 min
